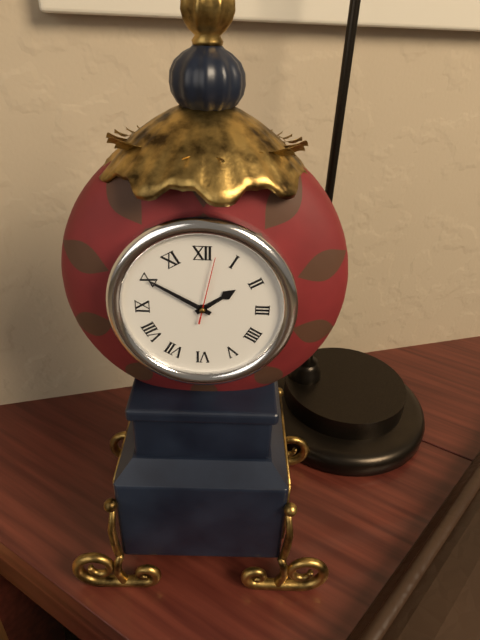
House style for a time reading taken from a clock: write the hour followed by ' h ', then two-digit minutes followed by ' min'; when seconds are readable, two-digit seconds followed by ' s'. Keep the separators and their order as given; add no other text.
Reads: 1 h 50 min 02 s
